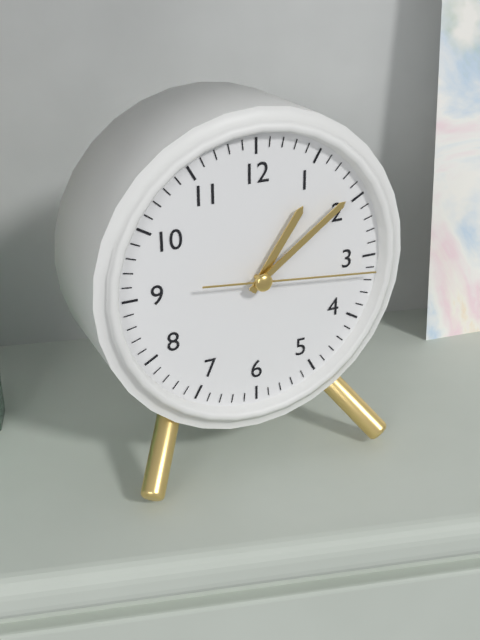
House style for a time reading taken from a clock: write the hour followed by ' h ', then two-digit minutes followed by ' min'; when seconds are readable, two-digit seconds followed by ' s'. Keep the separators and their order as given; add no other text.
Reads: 1 h 09 min 16 s
